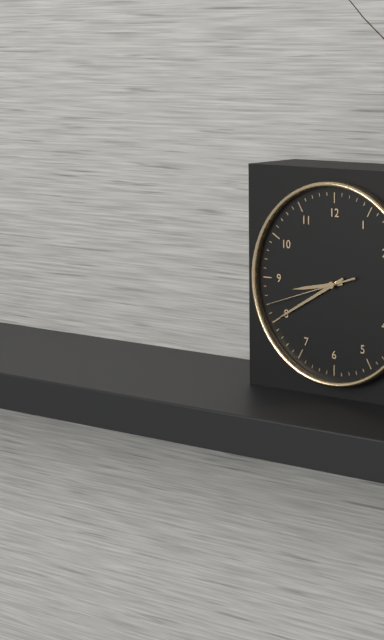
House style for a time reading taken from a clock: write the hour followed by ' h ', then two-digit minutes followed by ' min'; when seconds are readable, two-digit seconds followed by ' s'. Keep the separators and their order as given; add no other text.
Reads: 8 h 40 min 42 s
